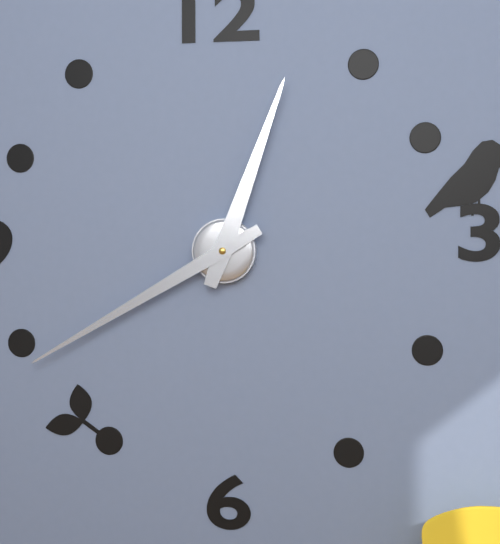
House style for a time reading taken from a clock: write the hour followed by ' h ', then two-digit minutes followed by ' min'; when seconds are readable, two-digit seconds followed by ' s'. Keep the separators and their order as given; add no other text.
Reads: 12 h 40 min
